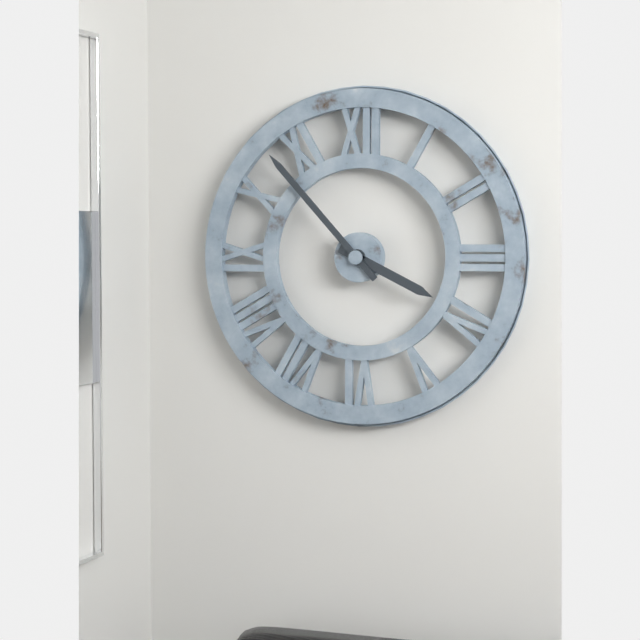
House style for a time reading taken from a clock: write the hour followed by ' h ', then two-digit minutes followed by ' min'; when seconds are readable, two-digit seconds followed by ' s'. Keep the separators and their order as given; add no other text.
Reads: 3 h 53 min
